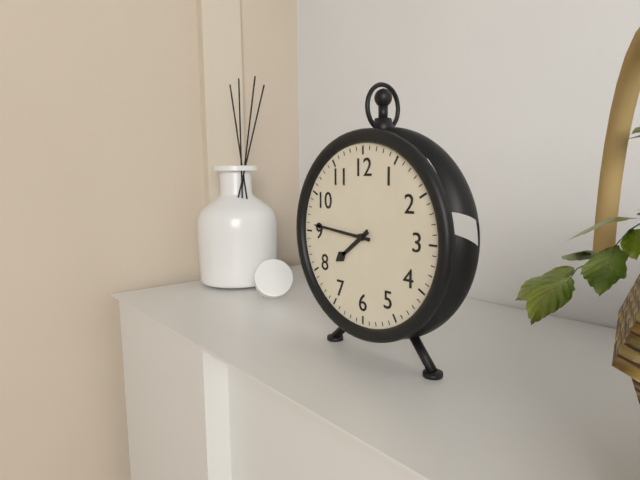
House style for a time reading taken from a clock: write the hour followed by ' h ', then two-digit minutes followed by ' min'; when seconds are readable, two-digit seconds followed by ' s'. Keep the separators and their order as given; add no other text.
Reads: 7 h 46 min
